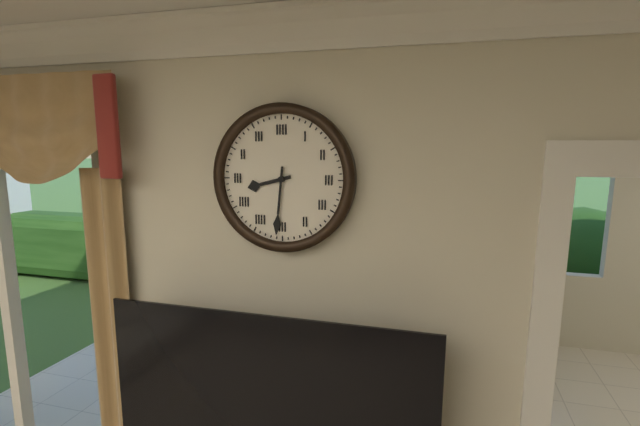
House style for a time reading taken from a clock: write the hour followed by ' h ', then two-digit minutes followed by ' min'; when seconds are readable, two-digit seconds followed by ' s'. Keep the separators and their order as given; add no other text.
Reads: 8 h 31 min
